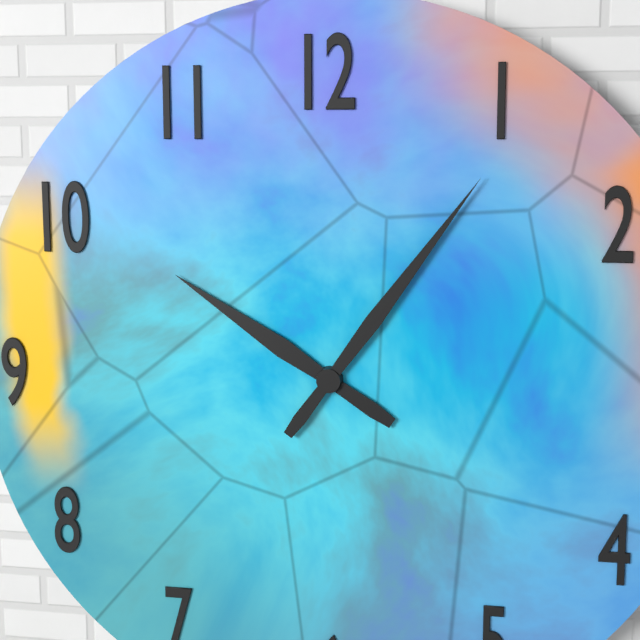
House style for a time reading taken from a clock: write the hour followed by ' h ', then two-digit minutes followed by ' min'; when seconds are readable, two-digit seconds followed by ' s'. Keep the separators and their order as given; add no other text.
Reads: 10 h 06 min
